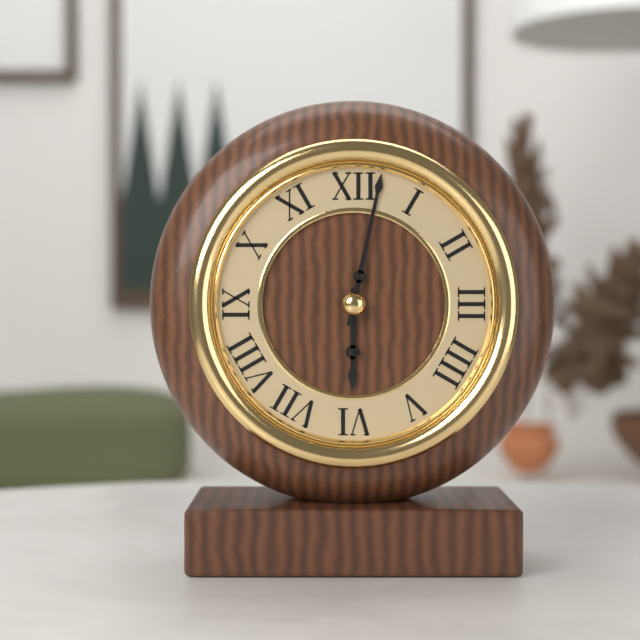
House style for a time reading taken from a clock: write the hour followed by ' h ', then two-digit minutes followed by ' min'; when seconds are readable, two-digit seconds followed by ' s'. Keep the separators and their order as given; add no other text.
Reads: 6 h 02 min
